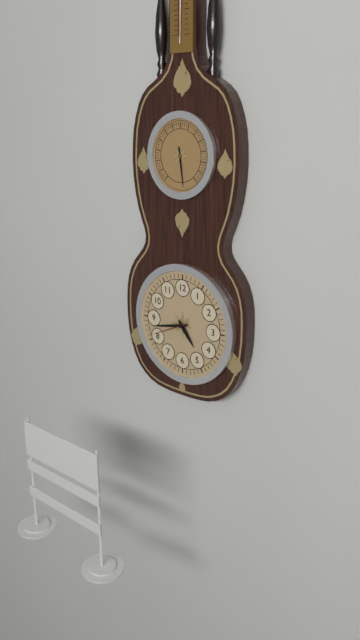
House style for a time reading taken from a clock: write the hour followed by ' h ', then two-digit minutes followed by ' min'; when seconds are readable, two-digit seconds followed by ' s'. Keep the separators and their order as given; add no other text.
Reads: 4 h 43 min
